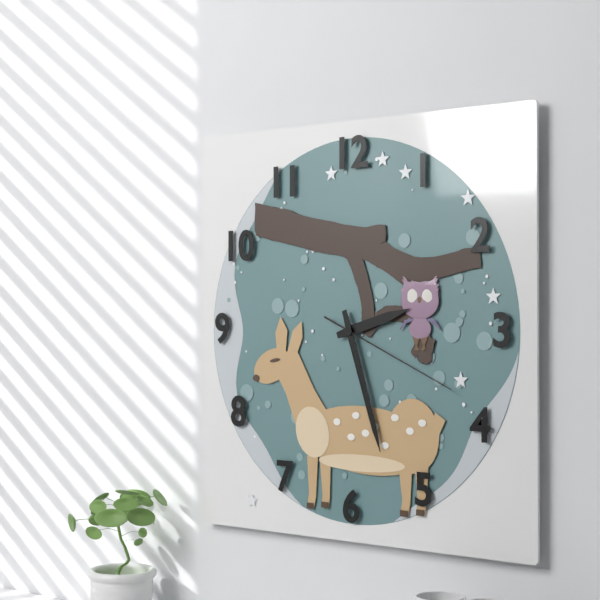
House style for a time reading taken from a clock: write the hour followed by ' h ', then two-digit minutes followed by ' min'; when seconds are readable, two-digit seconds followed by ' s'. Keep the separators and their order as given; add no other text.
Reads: 2 h 27 min 19 s
